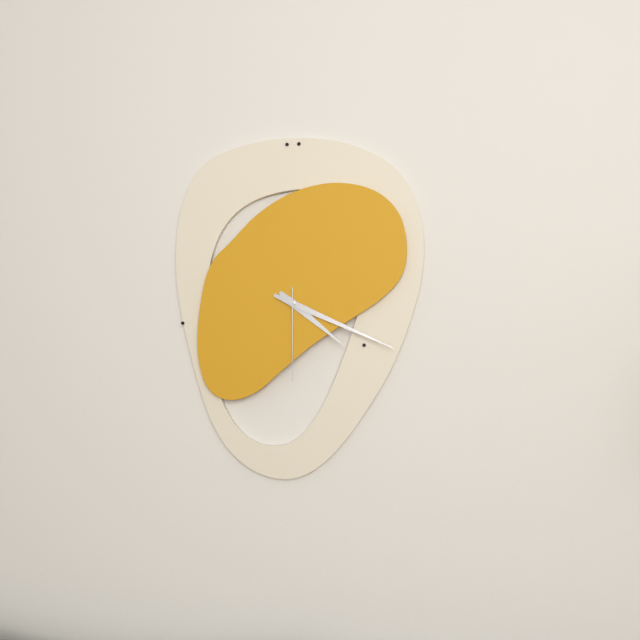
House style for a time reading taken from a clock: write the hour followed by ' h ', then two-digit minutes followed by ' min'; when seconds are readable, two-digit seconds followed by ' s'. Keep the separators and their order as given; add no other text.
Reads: 4 h 19 min 30 s
